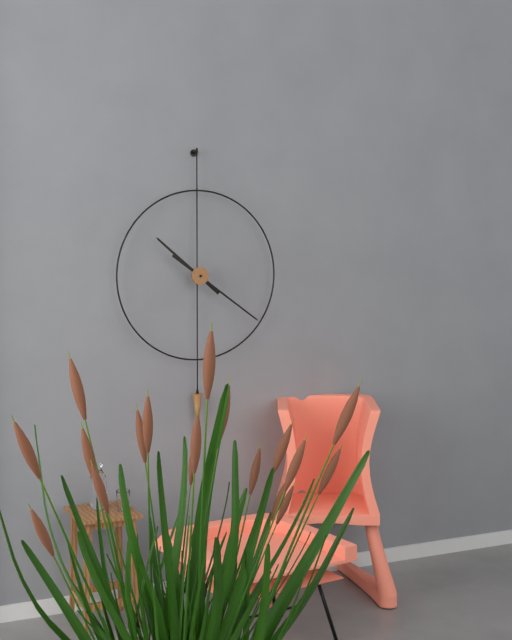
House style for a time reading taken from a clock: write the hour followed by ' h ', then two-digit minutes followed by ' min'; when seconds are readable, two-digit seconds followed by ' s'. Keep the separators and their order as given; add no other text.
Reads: 10 h 21 min
